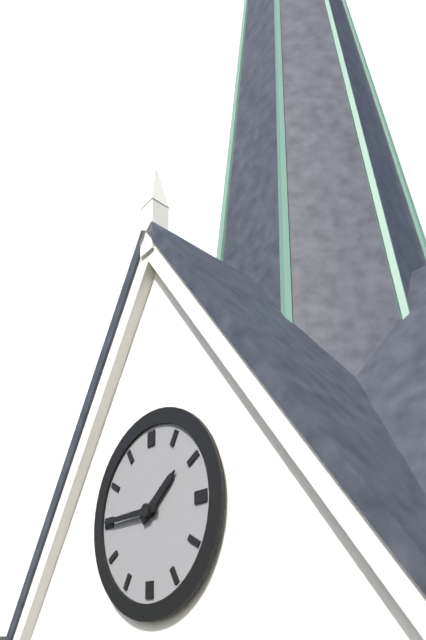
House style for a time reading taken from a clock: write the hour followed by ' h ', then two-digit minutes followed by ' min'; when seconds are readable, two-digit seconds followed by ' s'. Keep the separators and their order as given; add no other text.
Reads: 1 h 45 min
